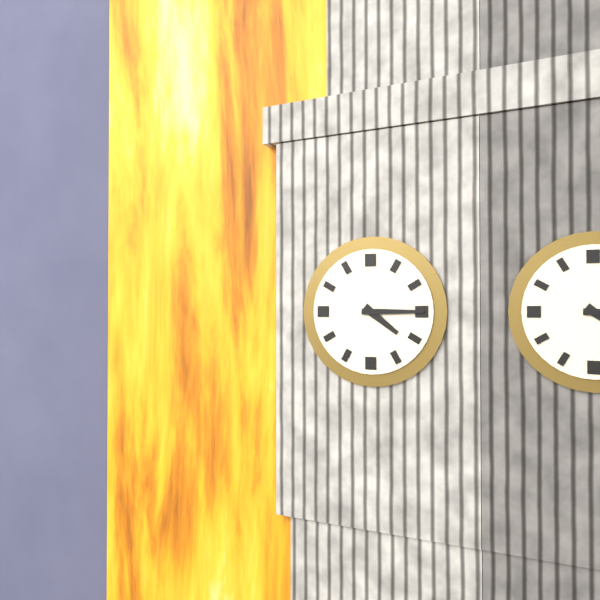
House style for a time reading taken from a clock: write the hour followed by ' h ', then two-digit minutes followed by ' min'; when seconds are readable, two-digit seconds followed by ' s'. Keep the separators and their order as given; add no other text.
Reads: 4 h 15 min
